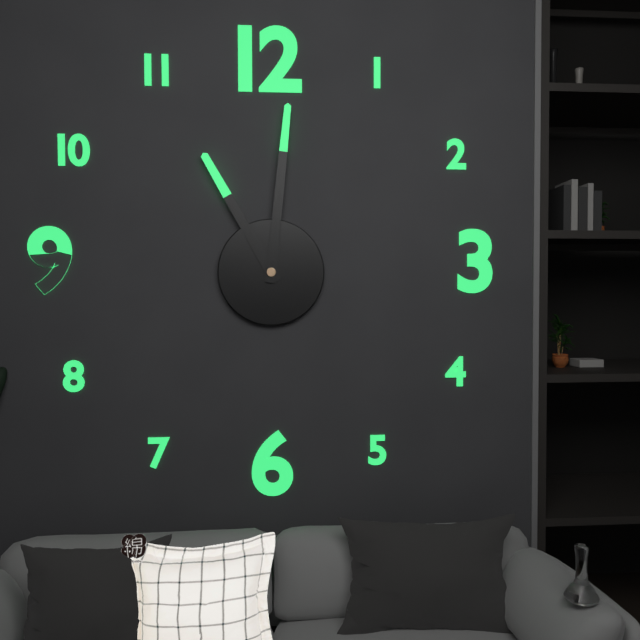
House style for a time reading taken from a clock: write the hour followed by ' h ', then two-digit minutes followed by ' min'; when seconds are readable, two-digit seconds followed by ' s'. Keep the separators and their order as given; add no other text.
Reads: 11 h 01 min
